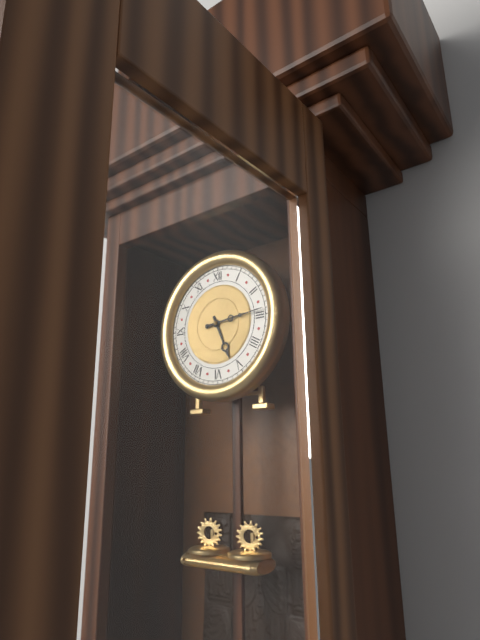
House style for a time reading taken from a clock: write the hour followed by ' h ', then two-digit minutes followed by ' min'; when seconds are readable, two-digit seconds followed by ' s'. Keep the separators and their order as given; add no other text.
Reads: 5 h 14 min
